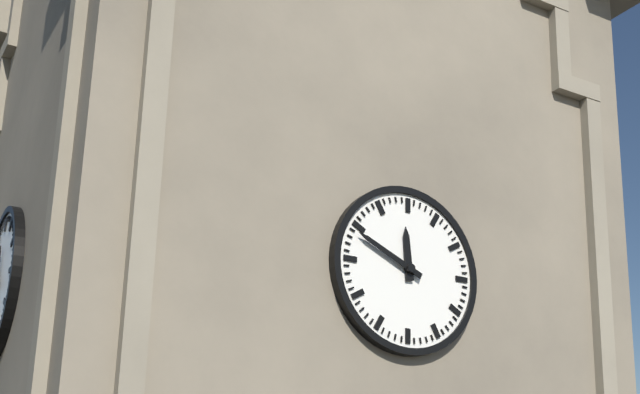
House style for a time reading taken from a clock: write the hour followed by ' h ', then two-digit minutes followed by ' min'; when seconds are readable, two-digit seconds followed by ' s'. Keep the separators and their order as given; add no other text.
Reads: 11 h 49 min
